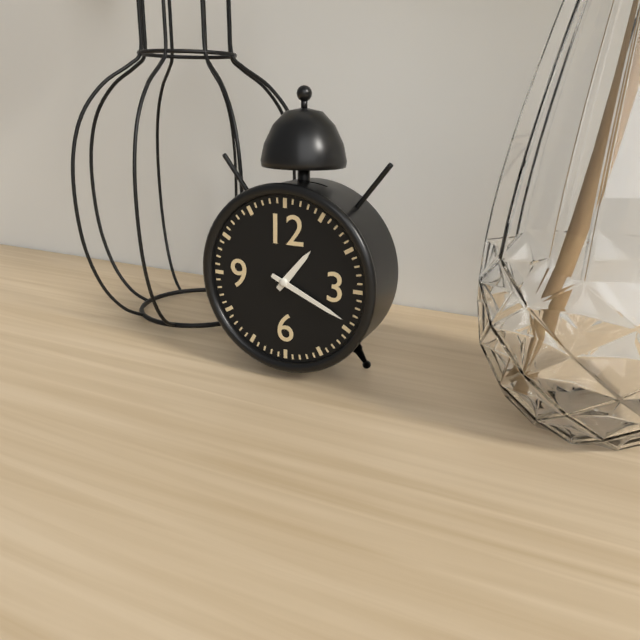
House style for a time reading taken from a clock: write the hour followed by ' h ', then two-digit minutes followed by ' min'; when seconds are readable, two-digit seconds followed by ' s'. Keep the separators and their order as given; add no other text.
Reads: 1 h 19 min
